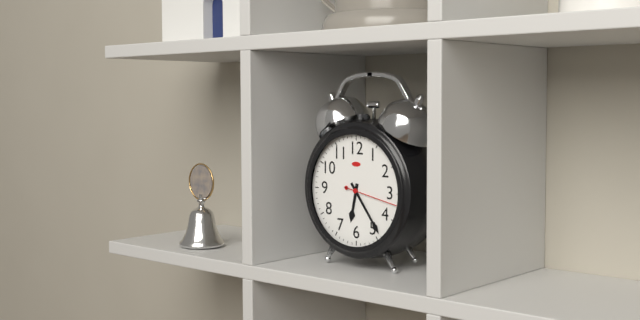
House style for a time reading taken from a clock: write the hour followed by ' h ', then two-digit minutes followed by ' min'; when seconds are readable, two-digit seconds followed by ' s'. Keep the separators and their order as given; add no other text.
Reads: 6 h 24 min 17 s
